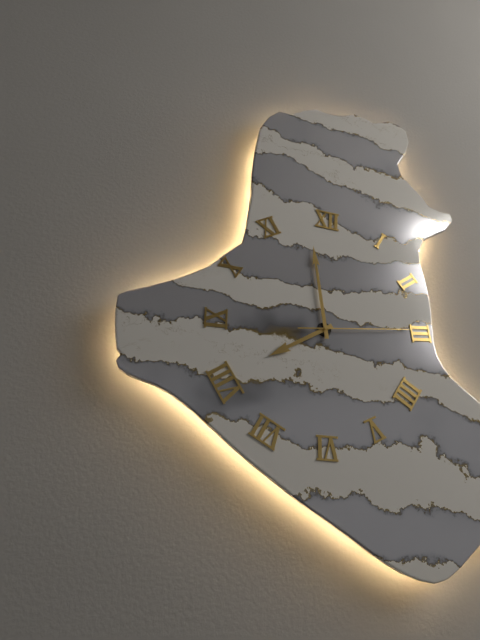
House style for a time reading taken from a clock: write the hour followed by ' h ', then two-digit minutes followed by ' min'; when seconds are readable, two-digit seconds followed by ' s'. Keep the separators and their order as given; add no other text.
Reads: 7 h 59 min 14 s
